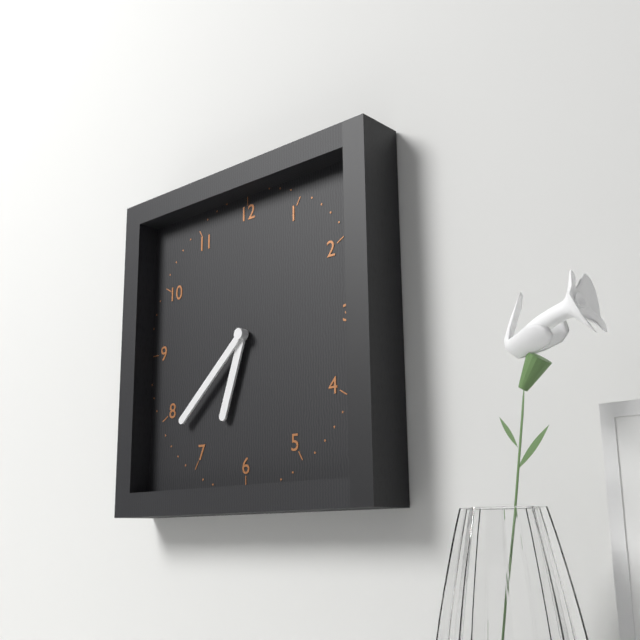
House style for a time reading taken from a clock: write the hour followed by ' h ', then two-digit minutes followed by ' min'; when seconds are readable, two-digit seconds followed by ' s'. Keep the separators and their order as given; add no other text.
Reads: 6 h 38 min
